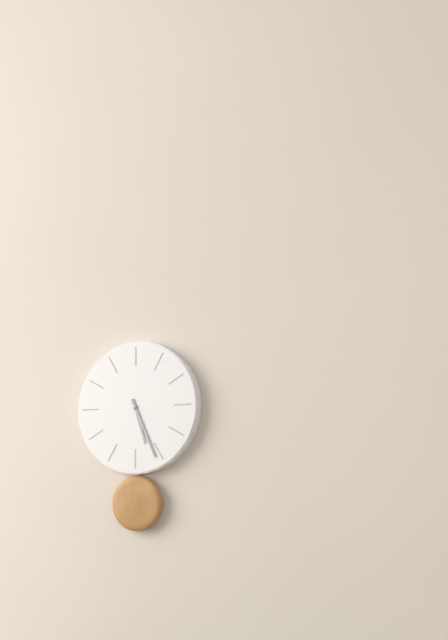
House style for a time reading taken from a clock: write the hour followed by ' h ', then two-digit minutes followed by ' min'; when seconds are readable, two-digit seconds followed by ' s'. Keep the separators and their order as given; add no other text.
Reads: 5 h 26 min
